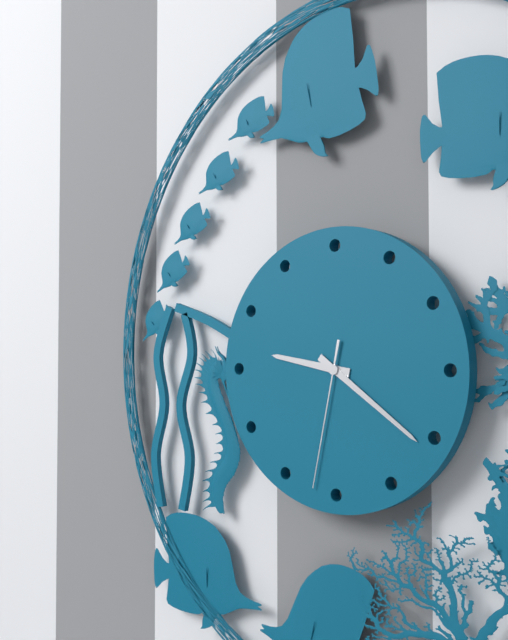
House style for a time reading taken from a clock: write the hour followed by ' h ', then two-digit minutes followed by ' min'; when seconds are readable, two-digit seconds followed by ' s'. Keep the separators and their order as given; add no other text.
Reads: 9 h 21 min 32 s
